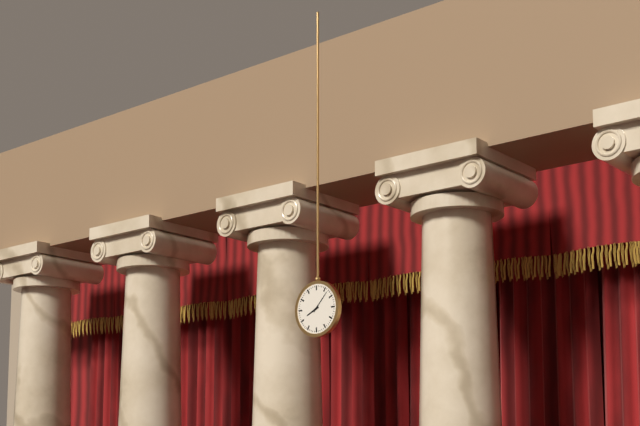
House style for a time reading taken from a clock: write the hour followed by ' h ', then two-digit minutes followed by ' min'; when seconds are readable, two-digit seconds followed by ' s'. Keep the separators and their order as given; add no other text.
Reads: 8 h 07 min
